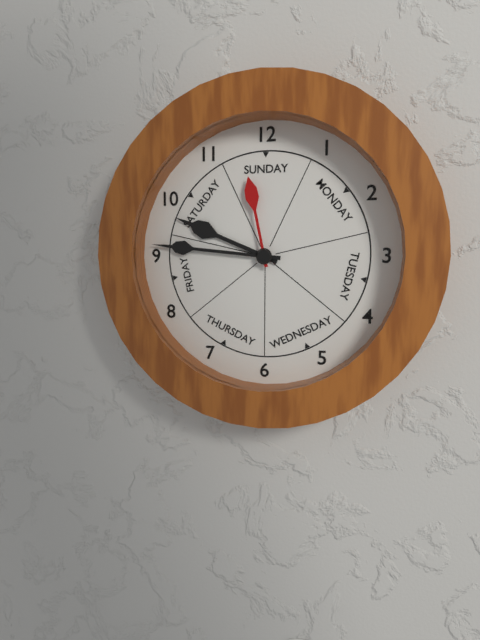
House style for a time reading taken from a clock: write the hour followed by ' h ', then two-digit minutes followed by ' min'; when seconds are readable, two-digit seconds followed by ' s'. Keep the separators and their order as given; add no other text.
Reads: 9 h 46 min 58 s
